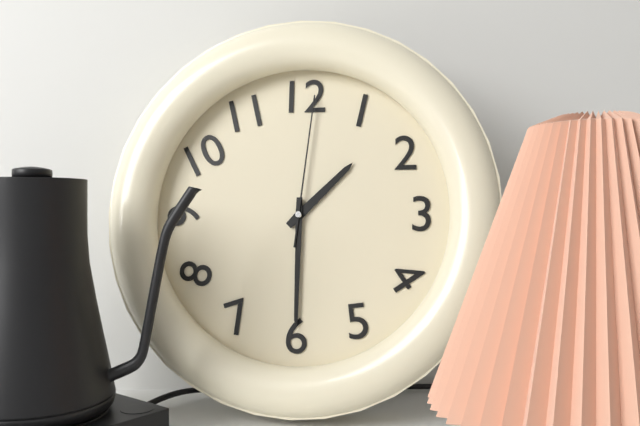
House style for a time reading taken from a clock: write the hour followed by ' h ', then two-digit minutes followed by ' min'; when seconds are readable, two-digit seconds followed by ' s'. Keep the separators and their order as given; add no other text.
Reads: 1 h 30 min 01 s
